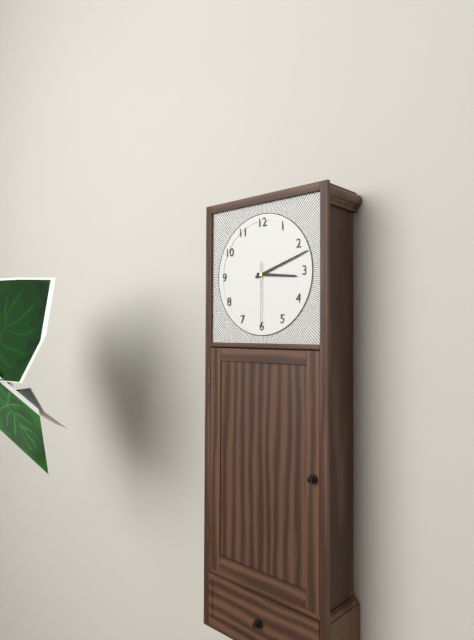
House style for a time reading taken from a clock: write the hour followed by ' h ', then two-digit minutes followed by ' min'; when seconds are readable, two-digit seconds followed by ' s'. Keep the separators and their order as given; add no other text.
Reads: 3 h 12 min 30 s
